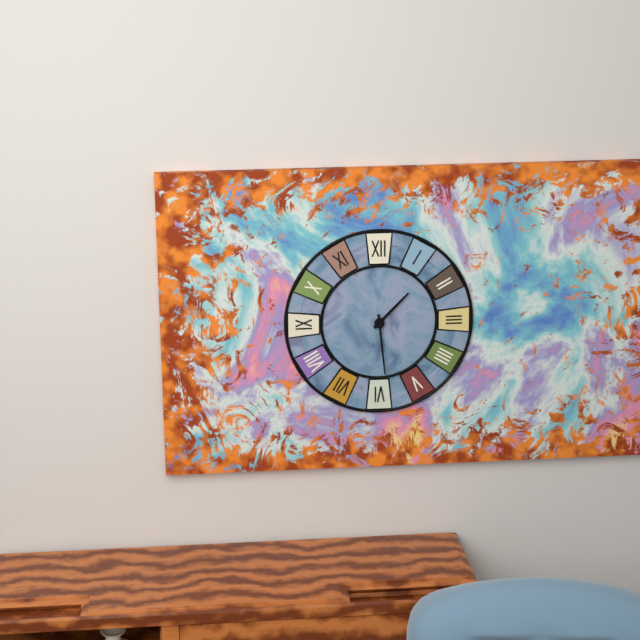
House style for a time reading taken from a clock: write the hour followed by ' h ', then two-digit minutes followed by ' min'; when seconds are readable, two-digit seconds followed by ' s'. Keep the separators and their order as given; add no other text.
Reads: 1 h 29 min
